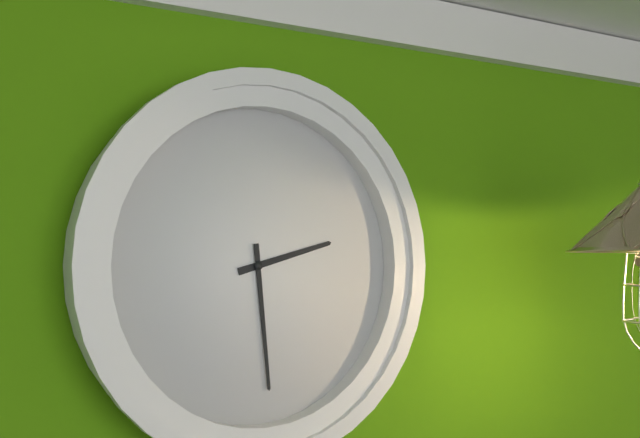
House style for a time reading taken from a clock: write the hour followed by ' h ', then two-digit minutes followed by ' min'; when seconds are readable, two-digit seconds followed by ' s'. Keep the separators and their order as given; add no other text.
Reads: 2 h 29 min
